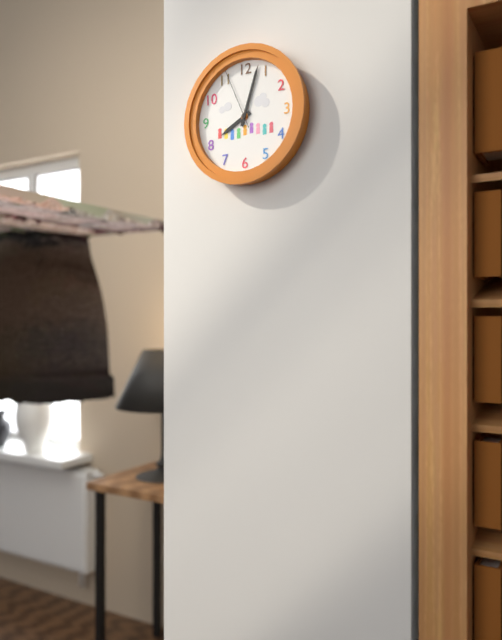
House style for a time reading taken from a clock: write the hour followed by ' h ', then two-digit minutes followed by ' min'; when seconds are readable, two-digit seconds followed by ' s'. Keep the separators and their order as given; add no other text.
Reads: 8 h 03 min 56 s
